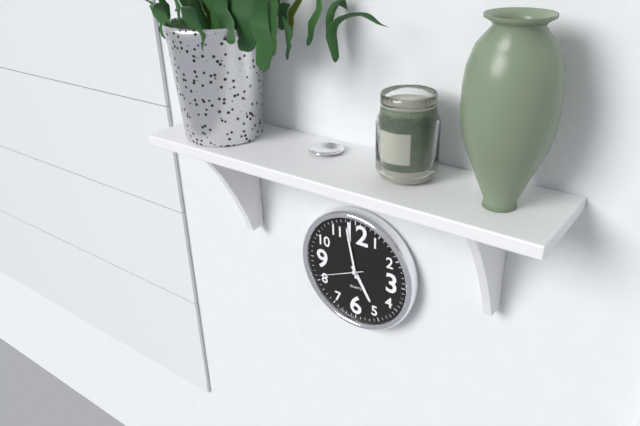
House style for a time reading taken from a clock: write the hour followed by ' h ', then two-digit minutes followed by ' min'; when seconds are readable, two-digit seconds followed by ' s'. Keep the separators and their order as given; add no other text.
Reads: 4 h 58 min
